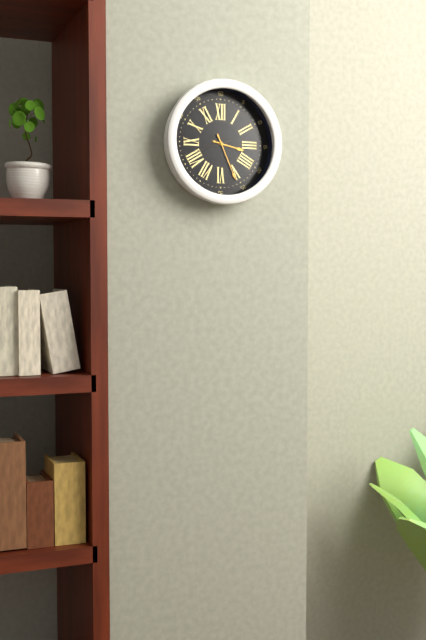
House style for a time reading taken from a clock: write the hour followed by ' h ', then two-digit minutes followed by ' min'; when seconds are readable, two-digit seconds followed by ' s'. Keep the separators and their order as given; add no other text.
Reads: 3 h 26 min
